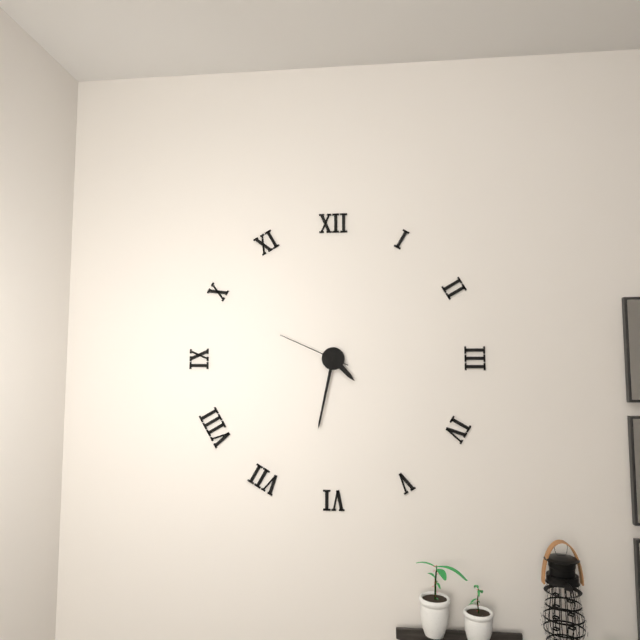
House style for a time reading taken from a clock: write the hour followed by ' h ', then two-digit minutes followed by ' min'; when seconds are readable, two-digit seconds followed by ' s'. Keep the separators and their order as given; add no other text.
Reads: 4 h 32 min 49 s
